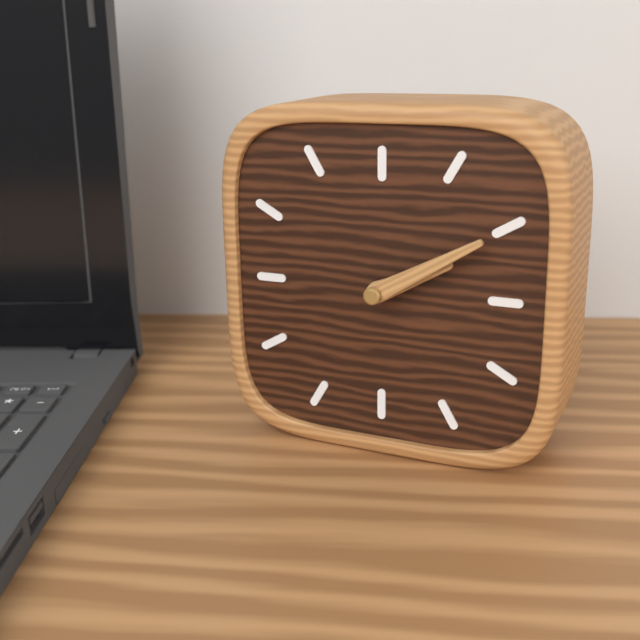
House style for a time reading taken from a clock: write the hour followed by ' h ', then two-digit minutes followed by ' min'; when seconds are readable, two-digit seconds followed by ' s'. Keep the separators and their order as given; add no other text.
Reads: 2 h 10 min
